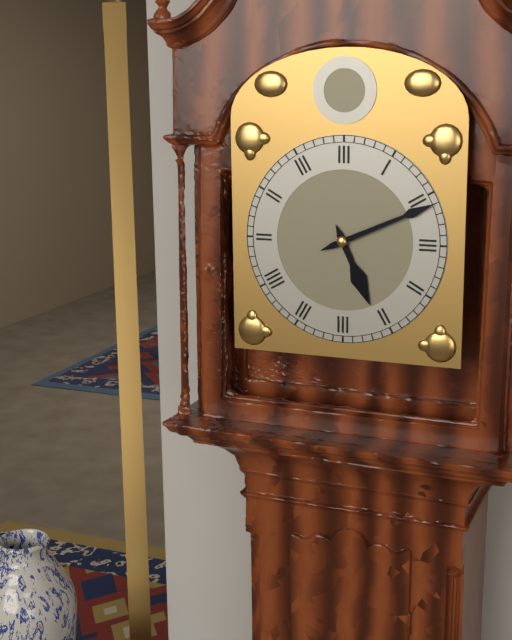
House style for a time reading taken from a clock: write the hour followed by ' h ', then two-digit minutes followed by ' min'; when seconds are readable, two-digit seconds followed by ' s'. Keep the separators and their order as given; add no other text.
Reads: 5 h 11 min
